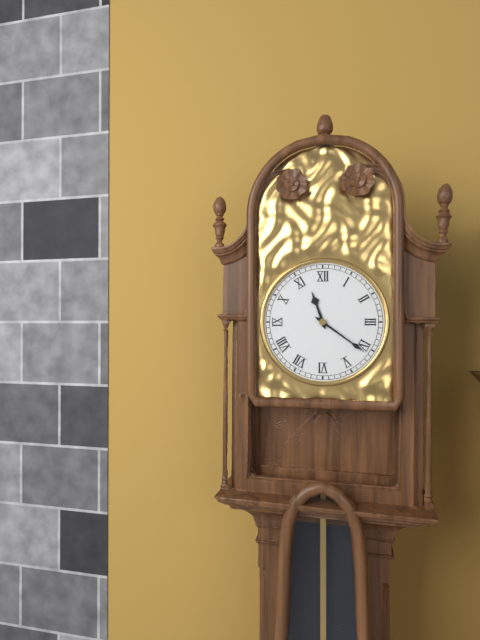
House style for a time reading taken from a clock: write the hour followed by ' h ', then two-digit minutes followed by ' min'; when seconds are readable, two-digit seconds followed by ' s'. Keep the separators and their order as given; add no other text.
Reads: 11 h 21 min
